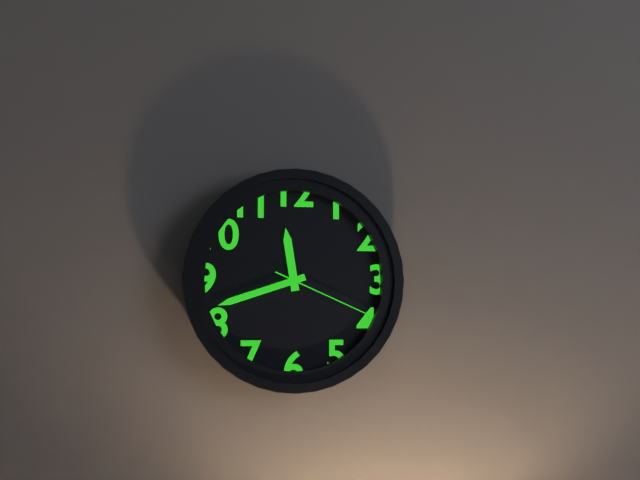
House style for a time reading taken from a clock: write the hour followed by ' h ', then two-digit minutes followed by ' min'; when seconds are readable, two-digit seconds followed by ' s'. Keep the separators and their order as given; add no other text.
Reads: 11 h 42 min 19 s
